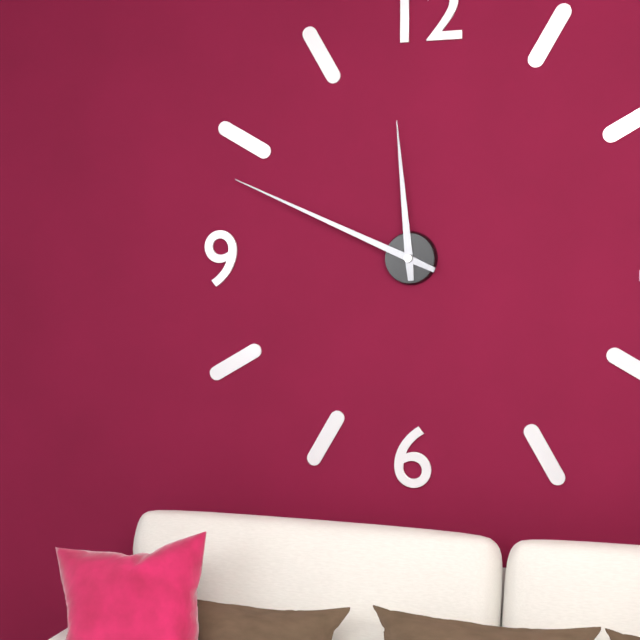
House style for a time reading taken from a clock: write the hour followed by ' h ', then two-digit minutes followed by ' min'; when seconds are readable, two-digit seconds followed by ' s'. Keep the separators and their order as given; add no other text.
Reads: 11 h 49 min
